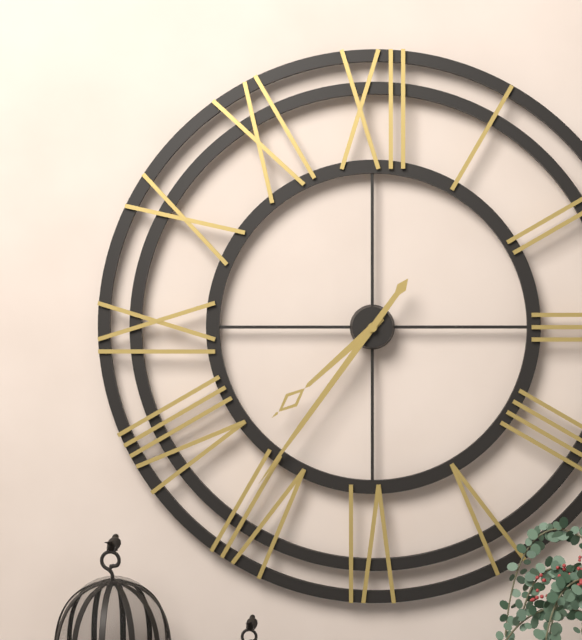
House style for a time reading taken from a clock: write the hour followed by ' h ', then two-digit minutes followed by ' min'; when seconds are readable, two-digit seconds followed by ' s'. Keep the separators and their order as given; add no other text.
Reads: 7 h 36 min
